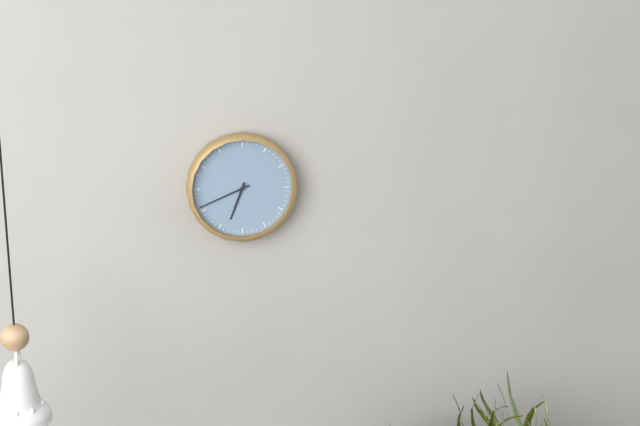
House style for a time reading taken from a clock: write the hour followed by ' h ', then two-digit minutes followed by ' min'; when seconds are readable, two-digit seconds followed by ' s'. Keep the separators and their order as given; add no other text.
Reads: 6 h 41 min
